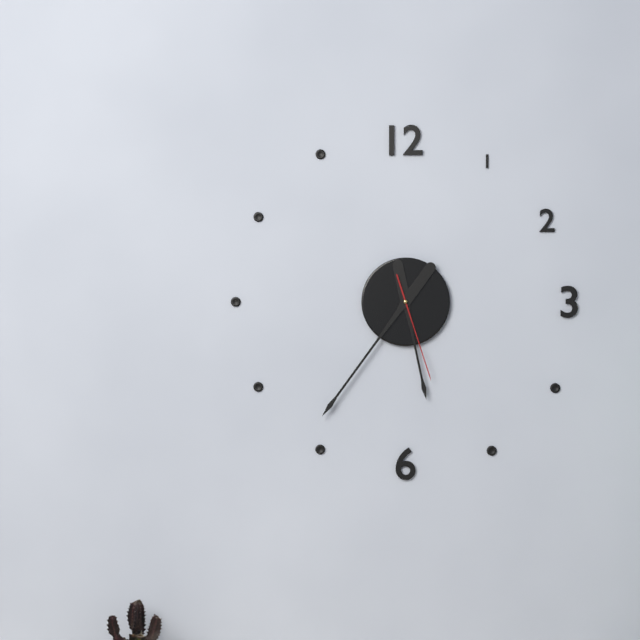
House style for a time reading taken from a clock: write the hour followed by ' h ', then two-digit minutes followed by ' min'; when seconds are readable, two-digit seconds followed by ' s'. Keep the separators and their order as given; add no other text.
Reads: 5 h 36 min 27 s
